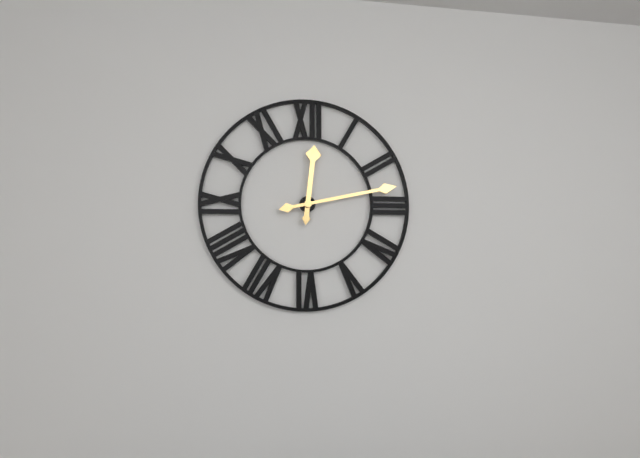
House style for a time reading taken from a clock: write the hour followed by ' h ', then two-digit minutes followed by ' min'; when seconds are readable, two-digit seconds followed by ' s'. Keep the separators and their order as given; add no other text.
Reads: 12 h 13 min
